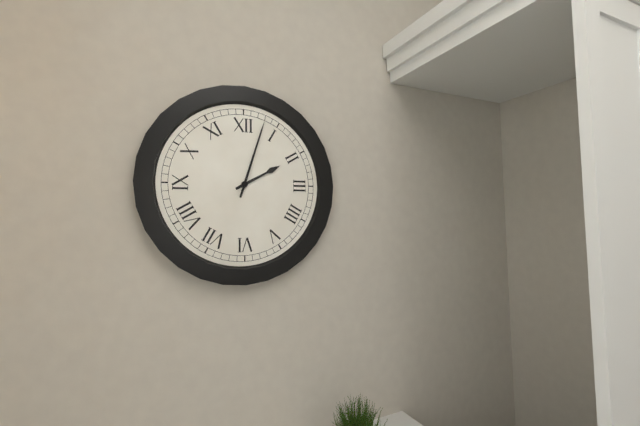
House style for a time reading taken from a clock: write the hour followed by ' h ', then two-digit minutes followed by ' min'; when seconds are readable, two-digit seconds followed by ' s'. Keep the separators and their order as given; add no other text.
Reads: 2 h 03 min
